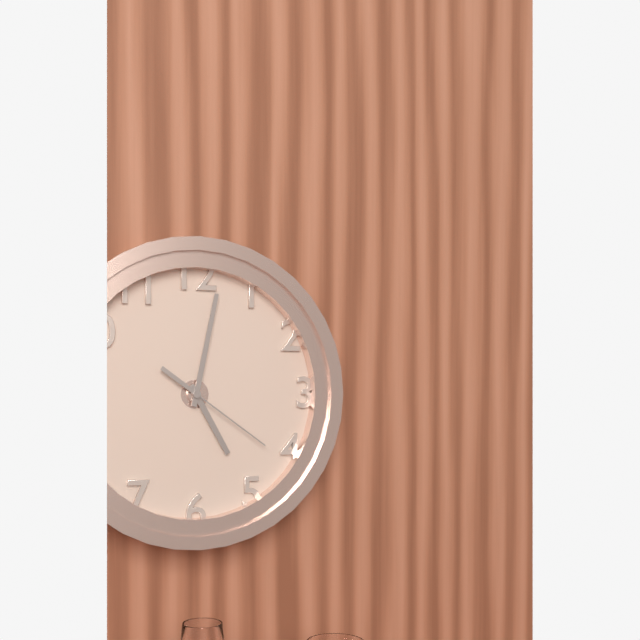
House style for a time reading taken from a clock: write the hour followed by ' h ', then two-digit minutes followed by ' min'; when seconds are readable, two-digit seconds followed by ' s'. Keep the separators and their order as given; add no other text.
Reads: 5 h 02 min 21 s
